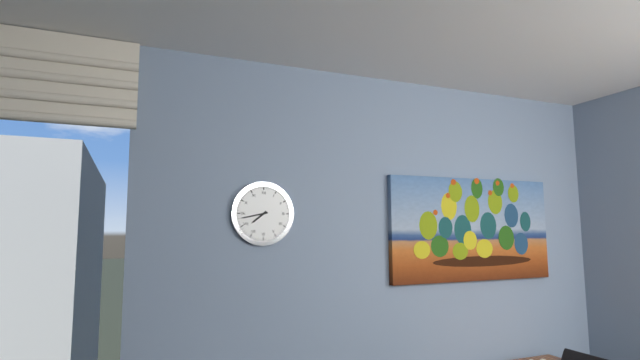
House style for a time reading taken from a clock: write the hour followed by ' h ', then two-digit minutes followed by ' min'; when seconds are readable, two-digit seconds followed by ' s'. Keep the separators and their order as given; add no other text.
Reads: 7 h 43 min
